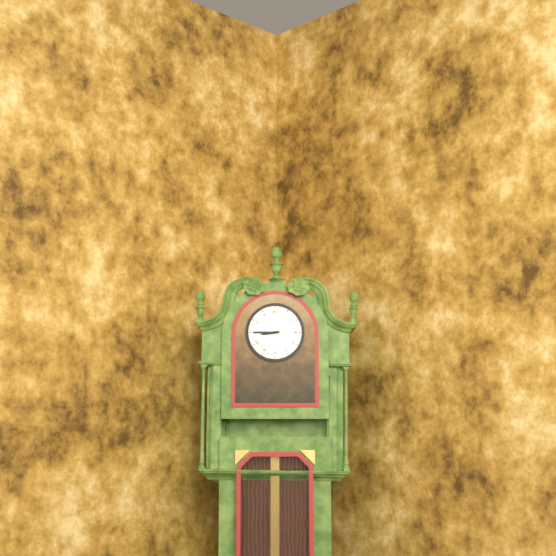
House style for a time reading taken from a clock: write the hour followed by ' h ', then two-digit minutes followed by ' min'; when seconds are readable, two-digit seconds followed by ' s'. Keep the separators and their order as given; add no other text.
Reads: 8 h 45 min
